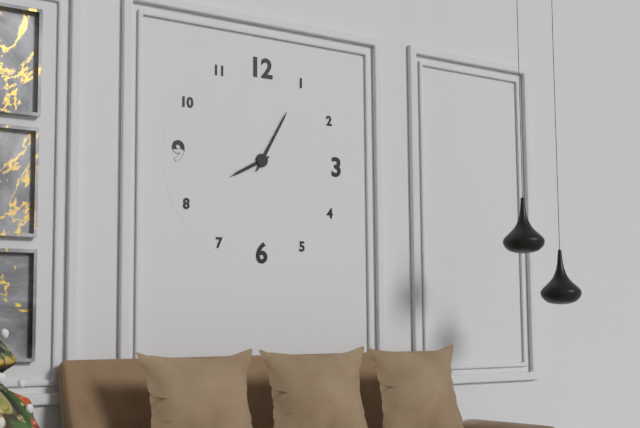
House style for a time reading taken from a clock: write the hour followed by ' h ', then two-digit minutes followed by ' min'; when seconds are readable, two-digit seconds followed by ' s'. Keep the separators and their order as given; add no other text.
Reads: 8 h 05 min
